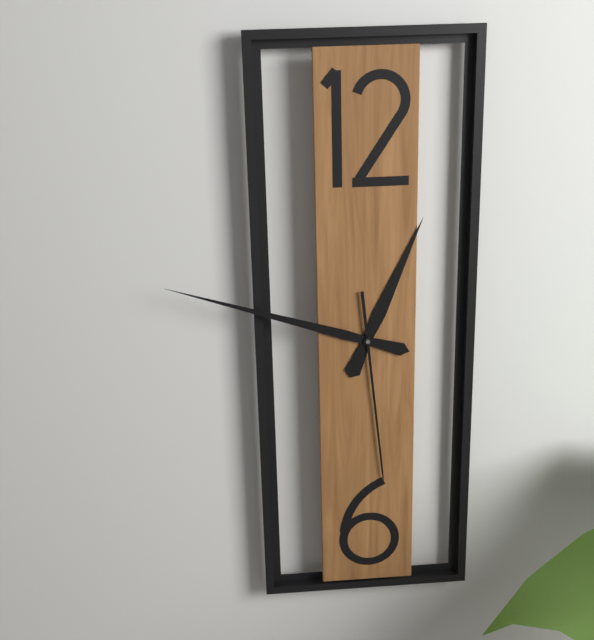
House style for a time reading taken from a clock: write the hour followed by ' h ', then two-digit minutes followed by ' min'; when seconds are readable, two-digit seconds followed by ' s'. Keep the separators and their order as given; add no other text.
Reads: 12 h 48 min 29 s
